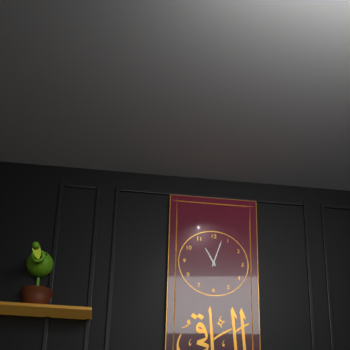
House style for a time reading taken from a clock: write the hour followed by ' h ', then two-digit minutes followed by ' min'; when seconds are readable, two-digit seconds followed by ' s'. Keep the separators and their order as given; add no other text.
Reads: 11 h 03 min
